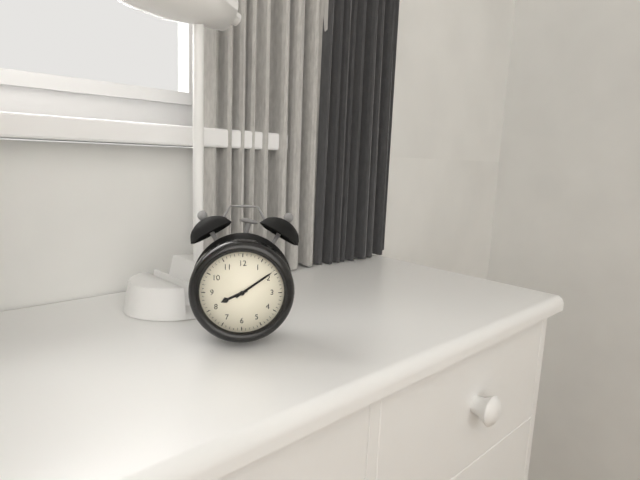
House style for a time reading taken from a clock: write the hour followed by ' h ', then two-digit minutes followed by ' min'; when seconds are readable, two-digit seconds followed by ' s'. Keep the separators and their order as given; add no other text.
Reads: 8 h 09 min
